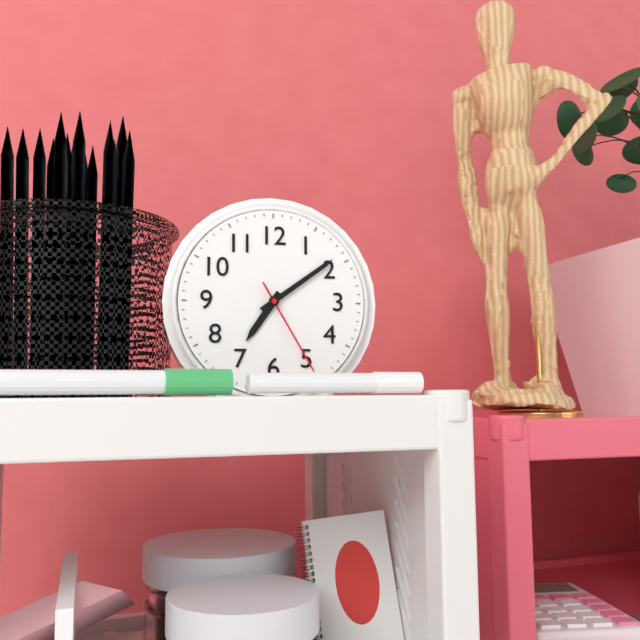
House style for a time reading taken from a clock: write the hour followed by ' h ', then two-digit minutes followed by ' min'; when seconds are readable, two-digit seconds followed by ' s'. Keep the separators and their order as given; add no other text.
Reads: 7 h 09 min 25 s
